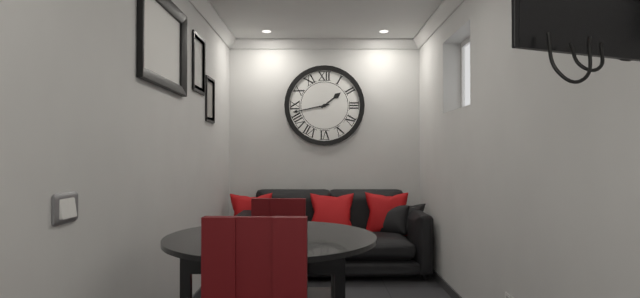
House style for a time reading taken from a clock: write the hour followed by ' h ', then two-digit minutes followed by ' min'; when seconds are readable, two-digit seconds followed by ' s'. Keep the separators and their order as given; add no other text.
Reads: 1 h 43 min
